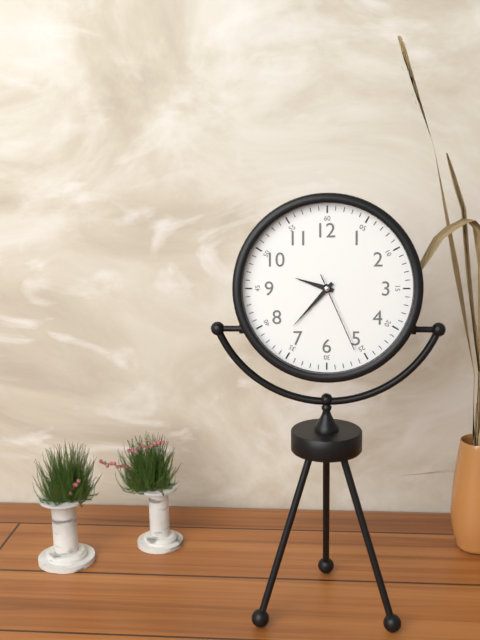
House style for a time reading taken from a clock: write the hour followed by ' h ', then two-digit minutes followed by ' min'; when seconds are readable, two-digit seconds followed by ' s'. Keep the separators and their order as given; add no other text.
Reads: 9 h 37 min 26 s
